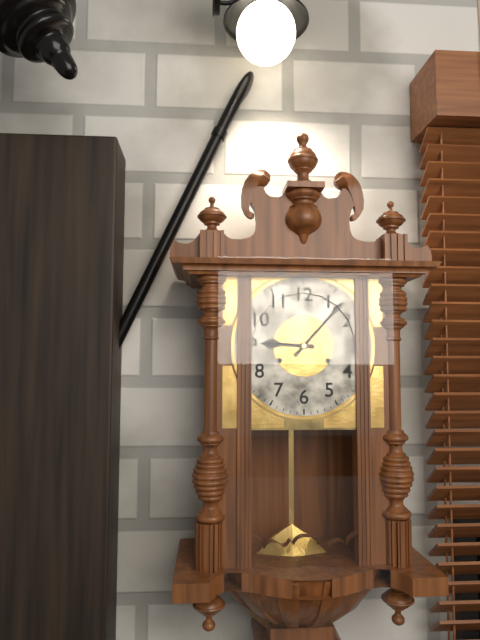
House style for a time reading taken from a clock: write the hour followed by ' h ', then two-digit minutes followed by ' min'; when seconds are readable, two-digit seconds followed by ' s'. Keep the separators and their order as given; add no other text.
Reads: 9 h 07 min
